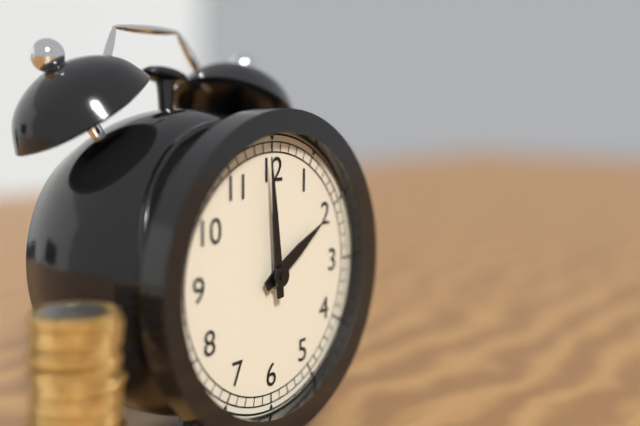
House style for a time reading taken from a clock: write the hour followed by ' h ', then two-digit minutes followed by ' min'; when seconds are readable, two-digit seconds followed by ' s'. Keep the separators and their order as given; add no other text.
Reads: 1 h 59 min
